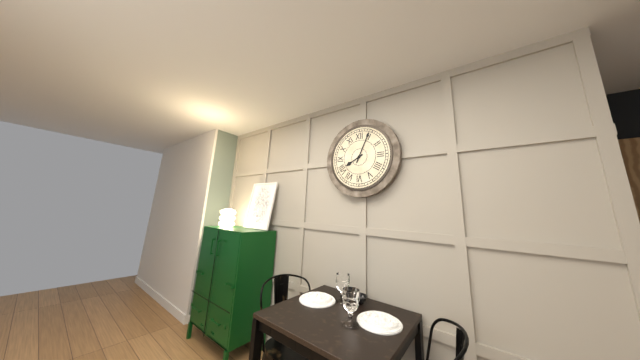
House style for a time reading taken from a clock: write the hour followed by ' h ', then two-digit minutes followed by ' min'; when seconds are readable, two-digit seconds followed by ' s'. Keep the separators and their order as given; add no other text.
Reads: 8 h 04 min
